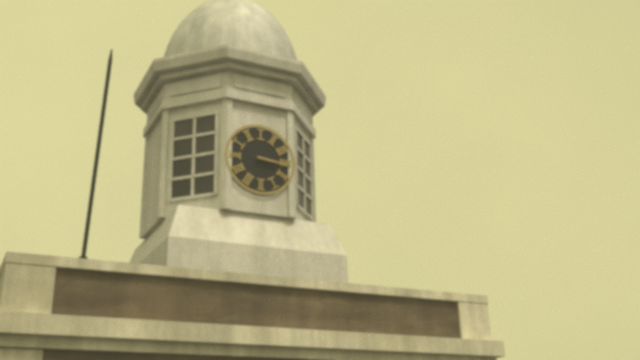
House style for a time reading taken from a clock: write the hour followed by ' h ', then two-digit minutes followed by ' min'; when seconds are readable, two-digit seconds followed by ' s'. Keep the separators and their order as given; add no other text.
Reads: 3 h 16 min
